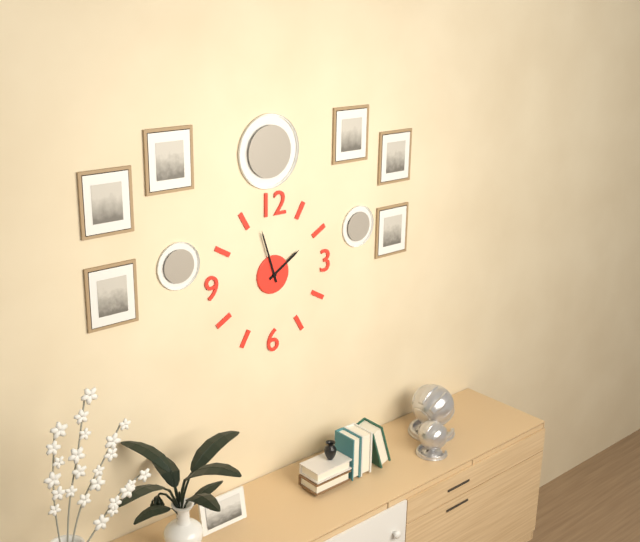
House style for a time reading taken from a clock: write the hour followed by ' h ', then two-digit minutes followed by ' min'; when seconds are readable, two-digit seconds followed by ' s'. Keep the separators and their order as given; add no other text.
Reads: 1 h 57 min
